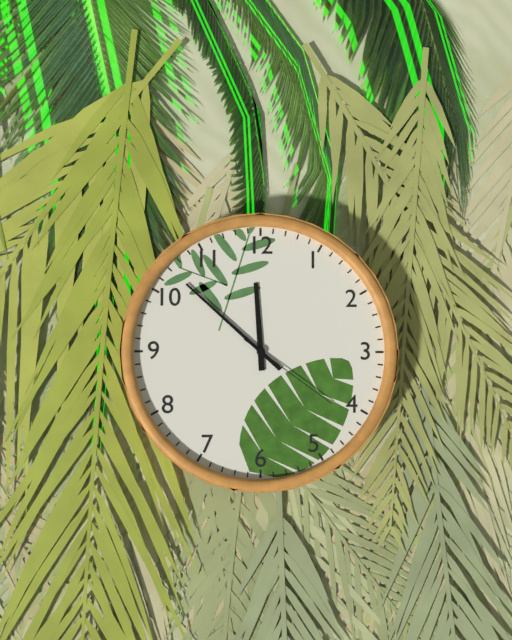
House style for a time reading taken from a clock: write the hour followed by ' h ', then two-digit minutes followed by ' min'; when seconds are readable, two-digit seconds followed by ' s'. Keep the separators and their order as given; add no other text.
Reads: 11 h 52 min 21 s
